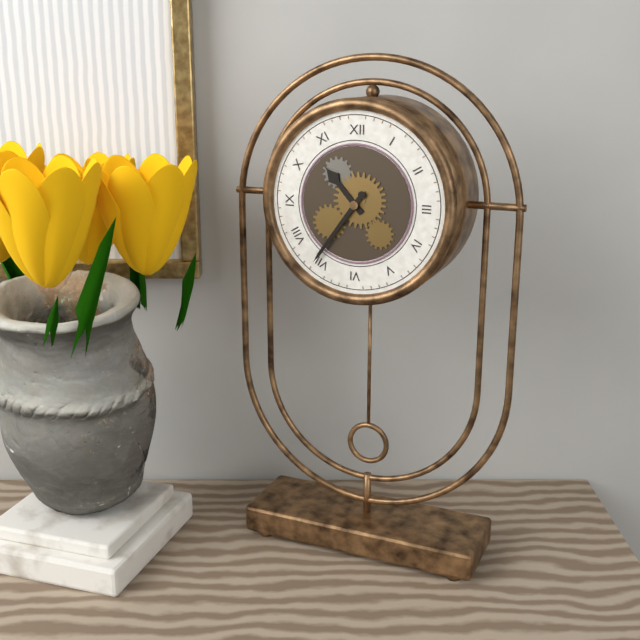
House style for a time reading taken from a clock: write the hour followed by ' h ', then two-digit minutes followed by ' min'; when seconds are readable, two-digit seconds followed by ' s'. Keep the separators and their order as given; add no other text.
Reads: 10 h 36 min
